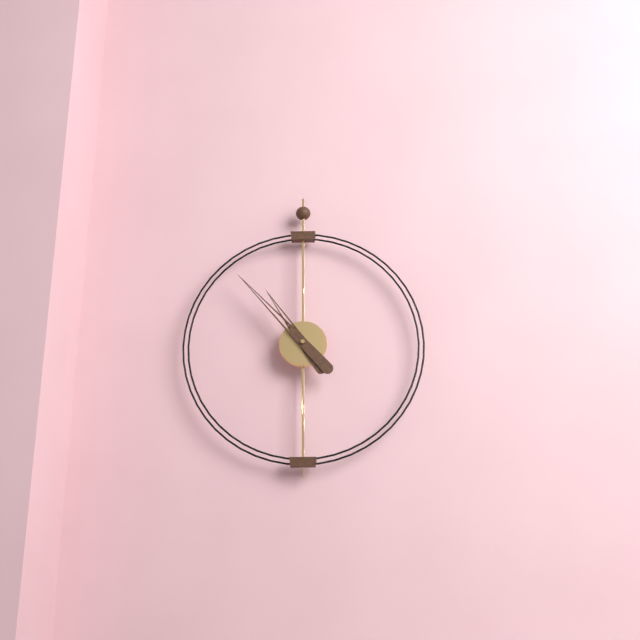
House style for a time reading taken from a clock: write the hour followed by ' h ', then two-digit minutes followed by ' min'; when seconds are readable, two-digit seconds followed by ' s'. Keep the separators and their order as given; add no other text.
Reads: 10 h 53 min
